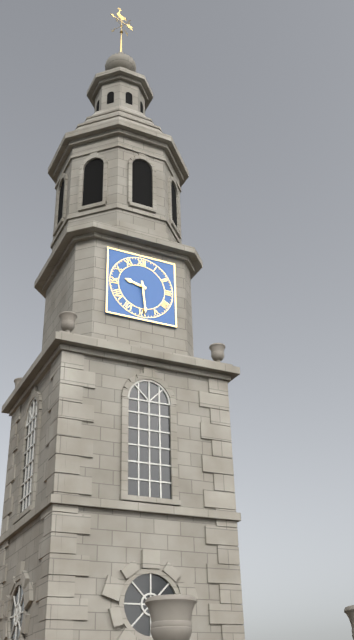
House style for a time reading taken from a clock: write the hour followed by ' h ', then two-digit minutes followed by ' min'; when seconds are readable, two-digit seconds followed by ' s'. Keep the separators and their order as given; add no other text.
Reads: 9 h 29 min
